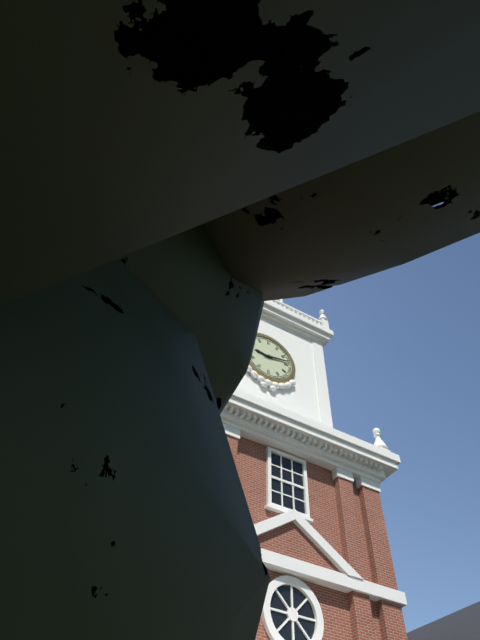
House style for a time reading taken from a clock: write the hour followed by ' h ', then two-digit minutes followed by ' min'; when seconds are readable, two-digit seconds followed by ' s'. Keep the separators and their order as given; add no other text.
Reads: 9 h 13 min
